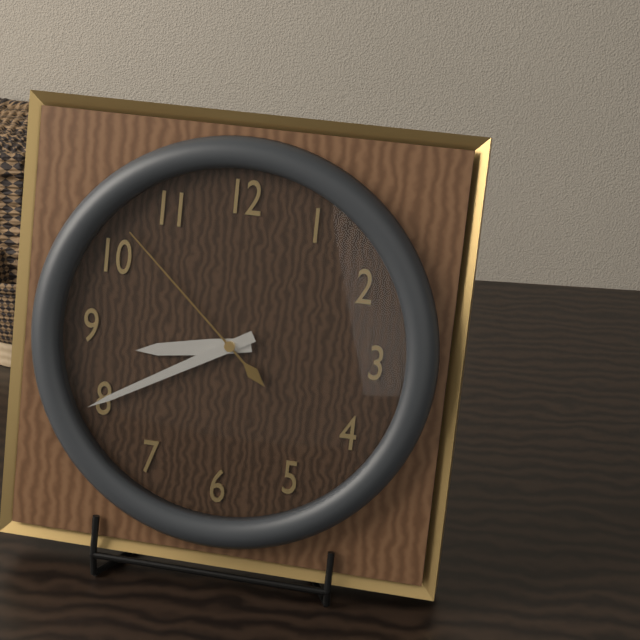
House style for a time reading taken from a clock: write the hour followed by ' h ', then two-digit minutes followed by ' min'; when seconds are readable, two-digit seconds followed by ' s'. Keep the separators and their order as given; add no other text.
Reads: 8 h 40 min 52 s
